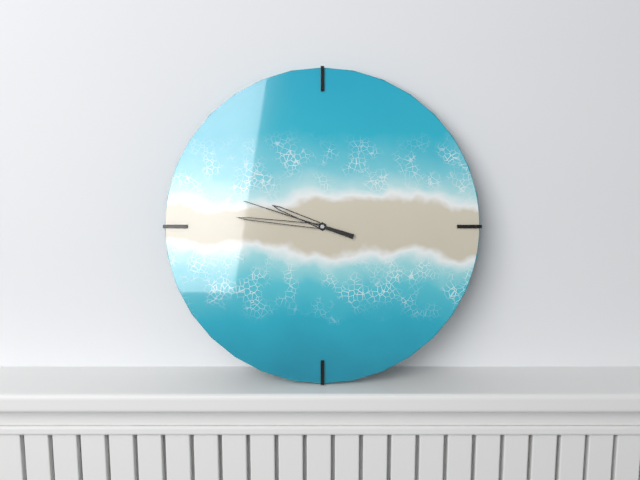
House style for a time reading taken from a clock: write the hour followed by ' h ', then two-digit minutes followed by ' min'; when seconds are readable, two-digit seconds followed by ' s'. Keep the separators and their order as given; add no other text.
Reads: 9 h 46 min 48 s
